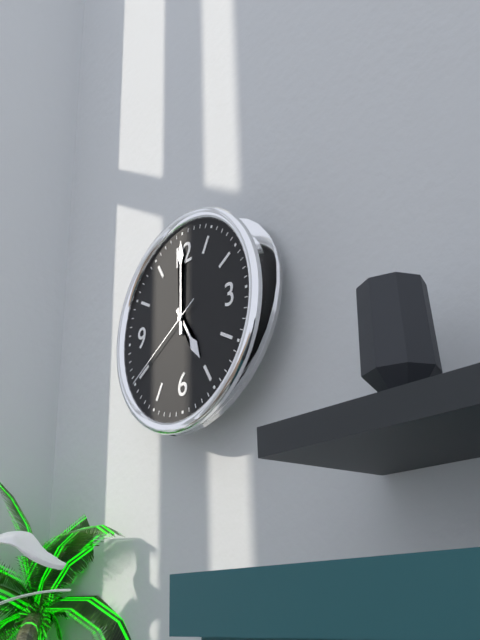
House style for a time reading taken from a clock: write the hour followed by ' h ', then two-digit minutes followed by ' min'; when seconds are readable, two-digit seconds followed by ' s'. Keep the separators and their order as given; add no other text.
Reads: 5 h 00 min 40 s
